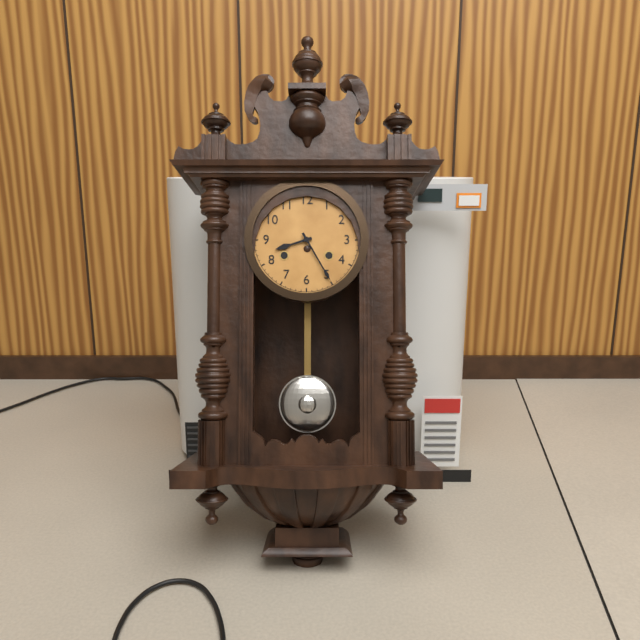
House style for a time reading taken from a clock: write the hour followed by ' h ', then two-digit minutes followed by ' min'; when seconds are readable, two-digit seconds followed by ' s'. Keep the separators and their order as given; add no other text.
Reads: 8 h 25 min
